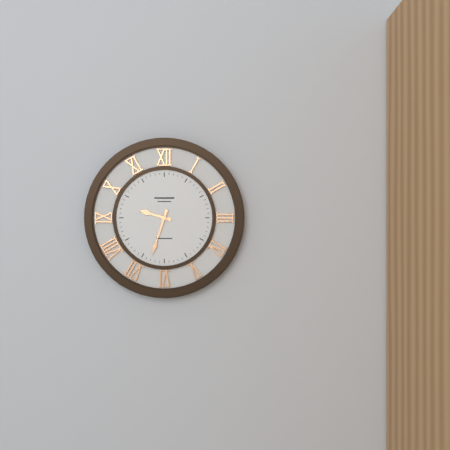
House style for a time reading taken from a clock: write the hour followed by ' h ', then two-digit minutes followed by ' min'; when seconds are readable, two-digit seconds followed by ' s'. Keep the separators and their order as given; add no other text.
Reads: 9 h 33 min
